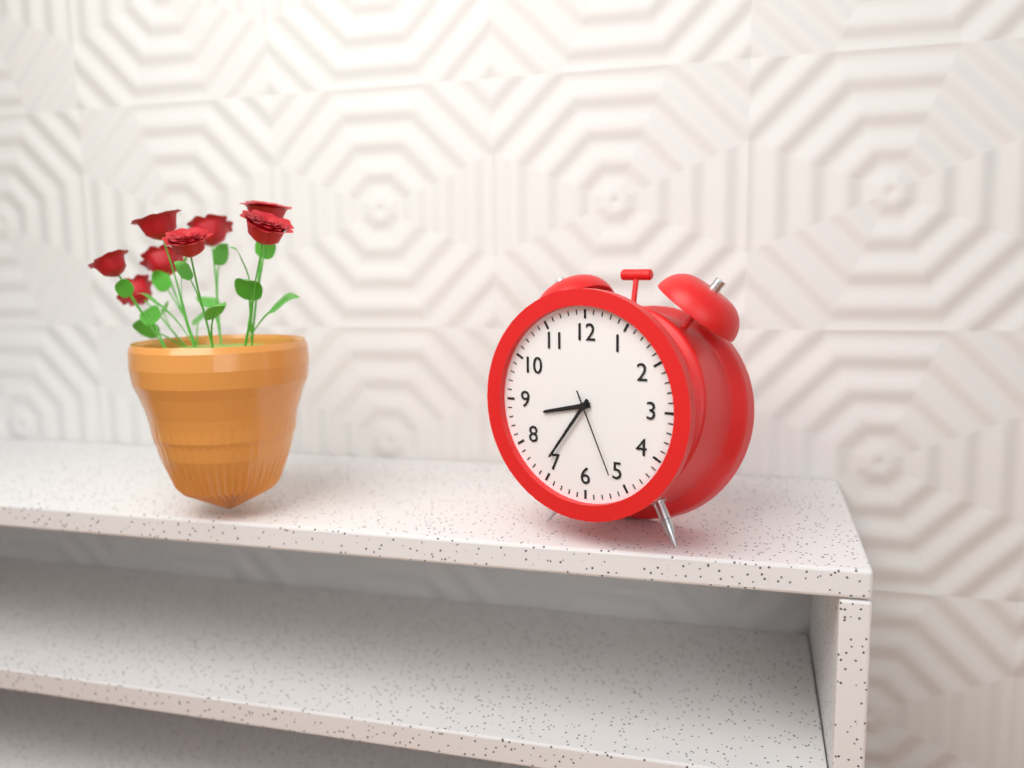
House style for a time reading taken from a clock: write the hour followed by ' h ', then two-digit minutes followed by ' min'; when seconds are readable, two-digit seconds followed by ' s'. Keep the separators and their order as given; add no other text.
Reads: 8 h 36 min 26 s
